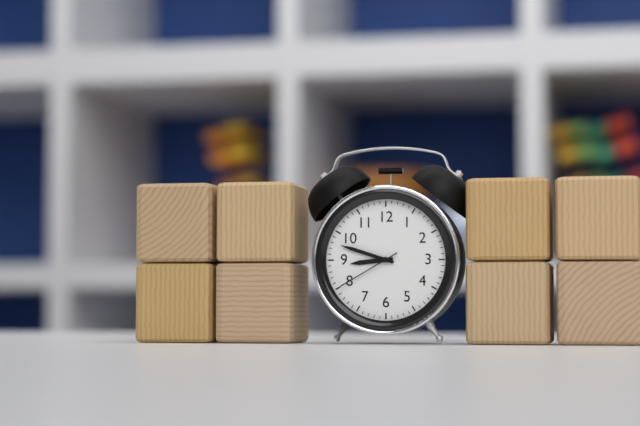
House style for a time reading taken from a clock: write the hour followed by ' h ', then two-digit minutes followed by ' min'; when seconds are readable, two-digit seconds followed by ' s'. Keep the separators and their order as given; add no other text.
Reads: 8 h 48 min 40 s
